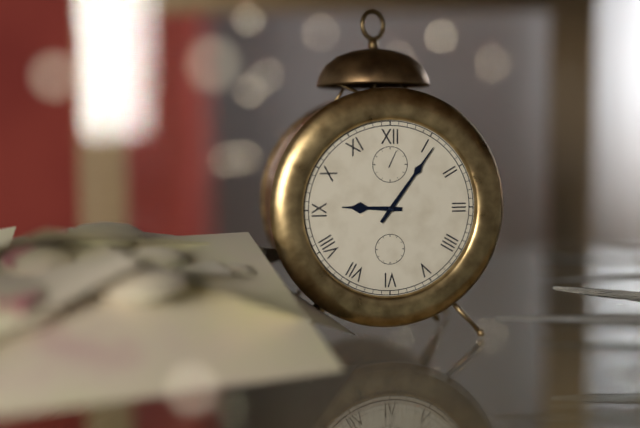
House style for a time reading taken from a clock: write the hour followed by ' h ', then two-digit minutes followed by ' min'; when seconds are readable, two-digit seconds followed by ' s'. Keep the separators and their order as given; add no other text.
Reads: 9 h 06 min
